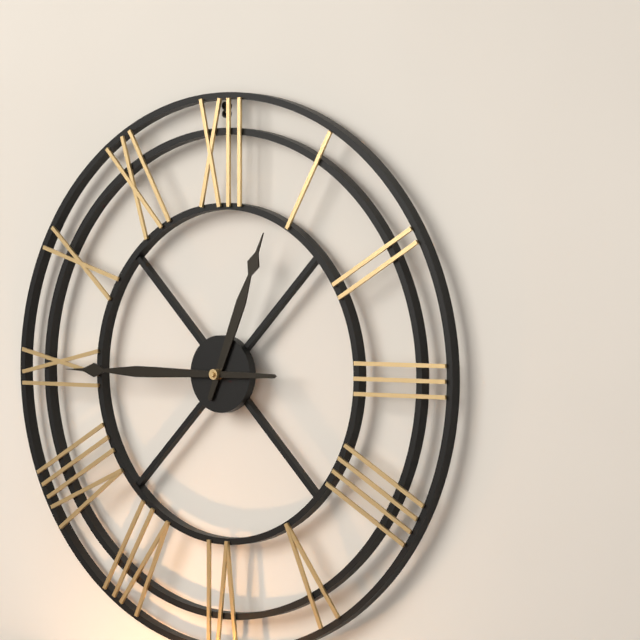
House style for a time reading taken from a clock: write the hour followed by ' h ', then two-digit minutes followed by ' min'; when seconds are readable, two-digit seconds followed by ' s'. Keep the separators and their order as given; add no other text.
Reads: 12 h 45 min
